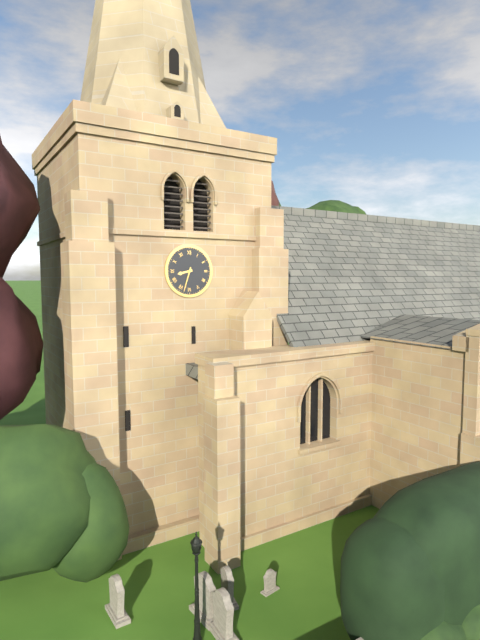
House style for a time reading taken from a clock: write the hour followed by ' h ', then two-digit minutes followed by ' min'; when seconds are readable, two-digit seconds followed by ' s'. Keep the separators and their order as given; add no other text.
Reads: 8 h 33 min
